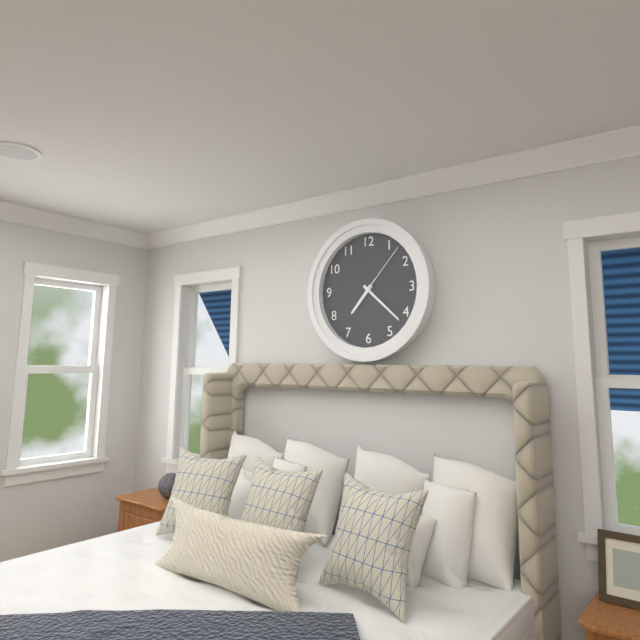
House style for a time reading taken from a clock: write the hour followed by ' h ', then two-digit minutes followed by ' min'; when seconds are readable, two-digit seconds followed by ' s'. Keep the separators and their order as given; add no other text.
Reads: 7 h 22 min 07 s
